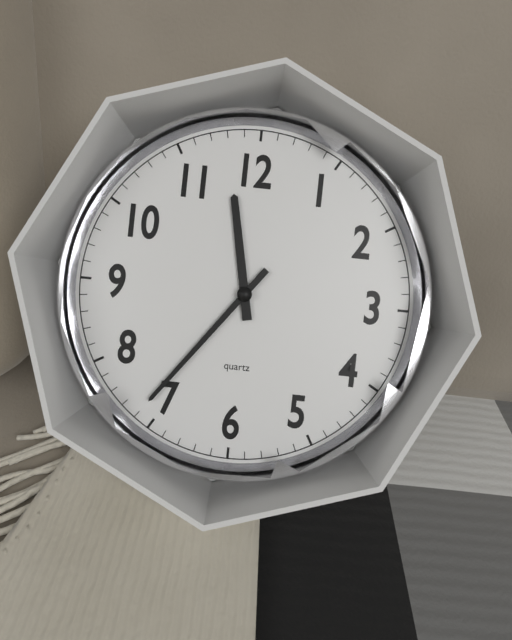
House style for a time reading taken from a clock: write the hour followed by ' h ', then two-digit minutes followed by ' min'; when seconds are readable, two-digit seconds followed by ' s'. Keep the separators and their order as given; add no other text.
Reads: 11 h 36 min
